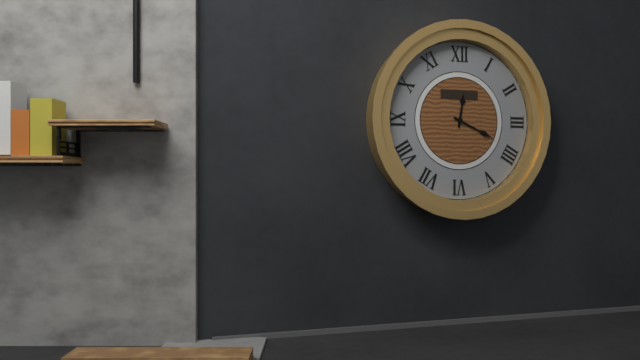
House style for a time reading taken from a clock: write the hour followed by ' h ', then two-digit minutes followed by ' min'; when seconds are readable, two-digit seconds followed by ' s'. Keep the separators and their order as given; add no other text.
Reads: 12 h 19 min
